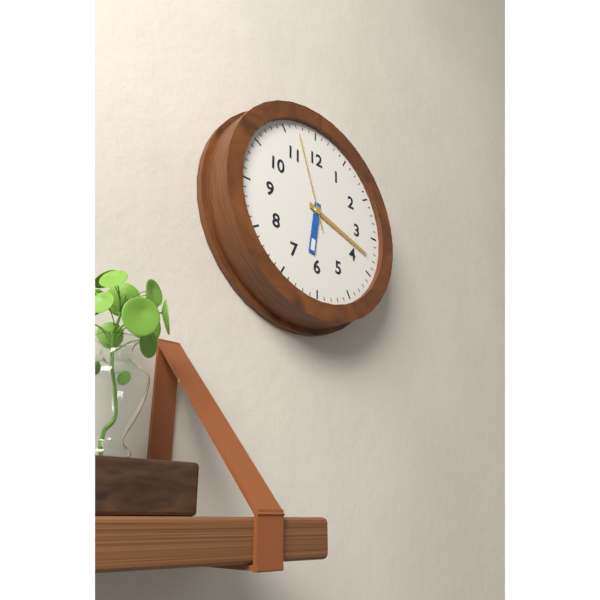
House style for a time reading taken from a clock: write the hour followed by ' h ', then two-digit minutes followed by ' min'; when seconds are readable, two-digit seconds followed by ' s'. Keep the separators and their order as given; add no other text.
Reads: 6 h 18 min 57 s
